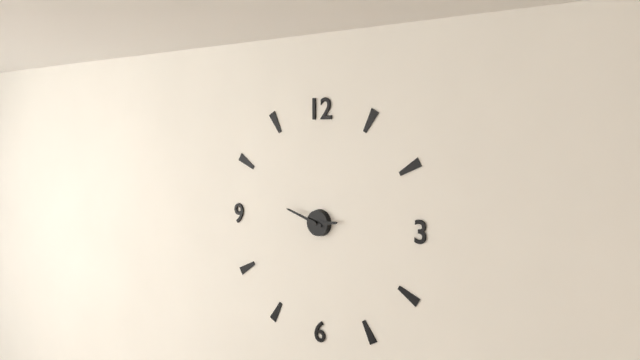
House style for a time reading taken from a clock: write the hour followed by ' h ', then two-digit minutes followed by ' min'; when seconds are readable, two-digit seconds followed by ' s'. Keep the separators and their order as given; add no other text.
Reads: 2 h 48 min
